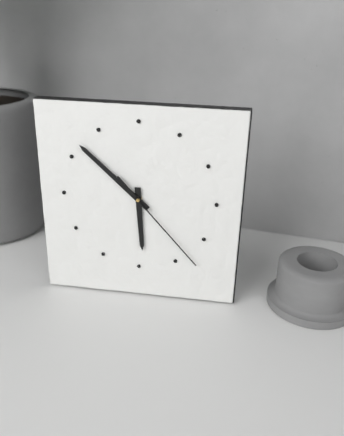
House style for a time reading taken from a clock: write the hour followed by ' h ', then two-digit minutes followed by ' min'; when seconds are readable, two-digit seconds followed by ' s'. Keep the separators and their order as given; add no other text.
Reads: 5 h 52 min 23 s
